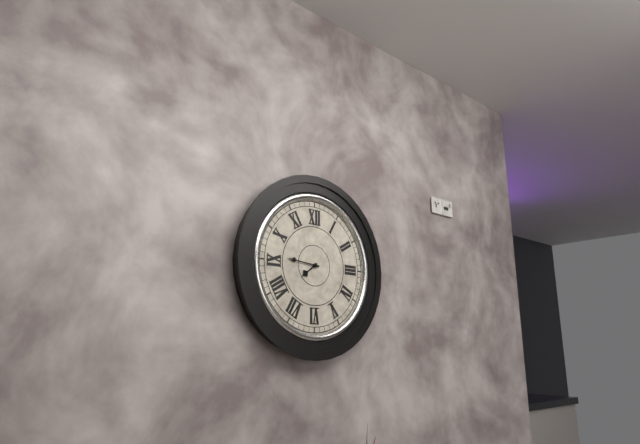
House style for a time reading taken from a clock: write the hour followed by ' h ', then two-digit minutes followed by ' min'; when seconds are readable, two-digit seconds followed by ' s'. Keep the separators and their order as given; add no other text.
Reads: 7 h 46 min
